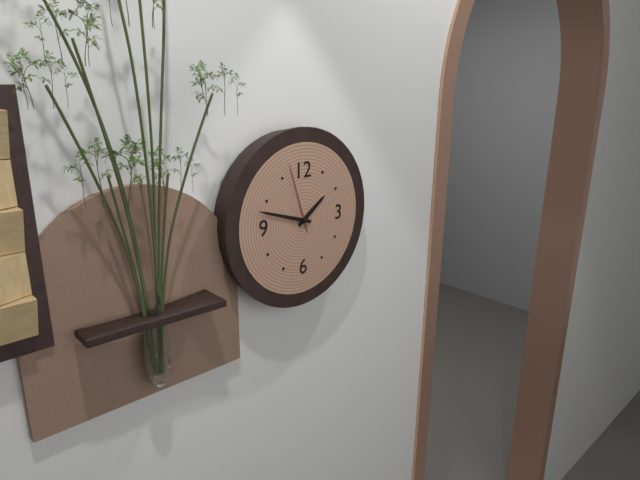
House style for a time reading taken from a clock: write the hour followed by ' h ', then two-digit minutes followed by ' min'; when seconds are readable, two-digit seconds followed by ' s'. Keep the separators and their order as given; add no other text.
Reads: 1 h 48 min 57 s
